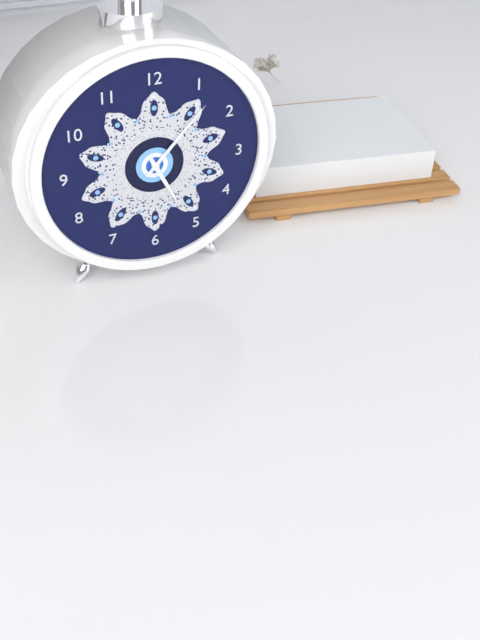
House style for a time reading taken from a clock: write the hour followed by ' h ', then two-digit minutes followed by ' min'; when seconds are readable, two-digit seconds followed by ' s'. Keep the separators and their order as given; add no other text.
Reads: 5 h 07 min
